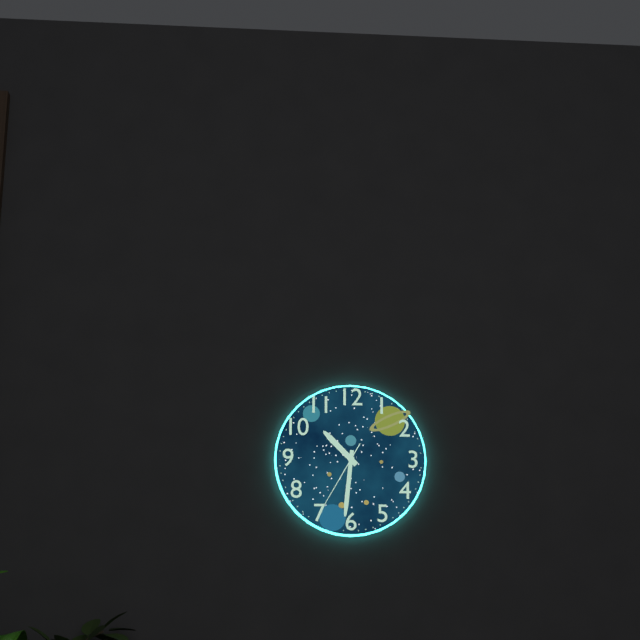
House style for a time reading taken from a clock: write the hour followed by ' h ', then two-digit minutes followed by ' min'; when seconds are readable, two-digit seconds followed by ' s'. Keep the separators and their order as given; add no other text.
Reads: 10 h 31 min 35 s
